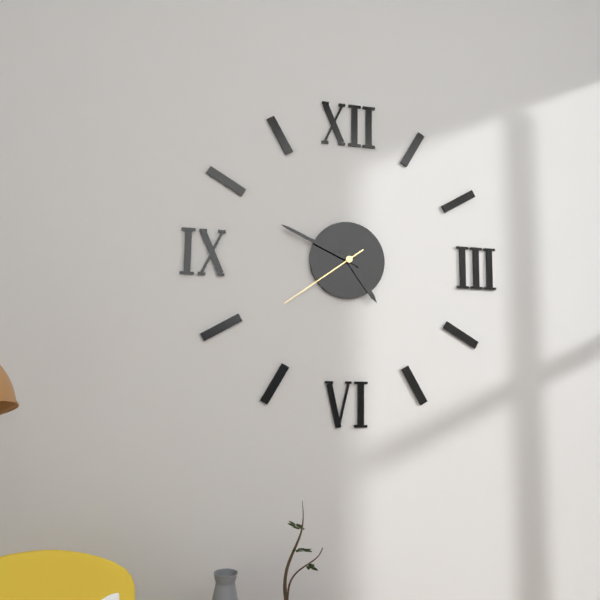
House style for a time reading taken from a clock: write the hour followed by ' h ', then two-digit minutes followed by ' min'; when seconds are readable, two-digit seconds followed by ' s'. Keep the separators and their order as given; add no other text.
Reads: 4 h 49 min 39 s
